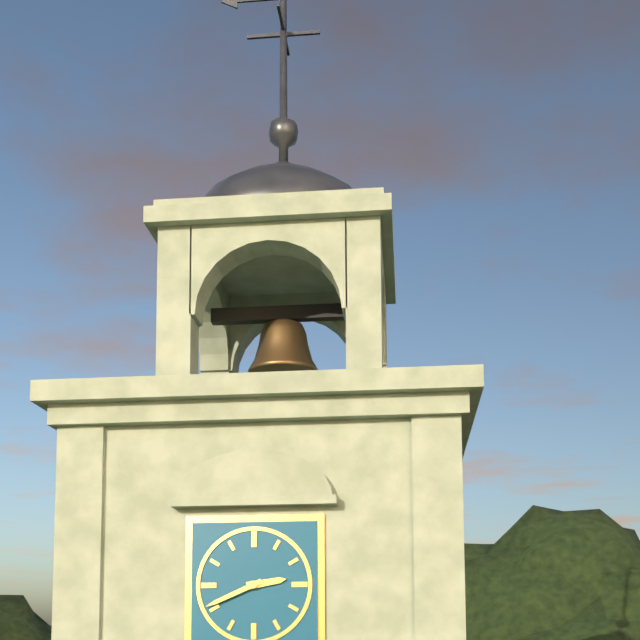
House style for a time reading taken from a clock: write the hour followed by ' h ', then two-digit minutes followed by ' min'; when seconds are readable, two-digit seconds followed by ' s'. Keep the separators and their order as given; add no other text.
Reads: 2 h 41 min
